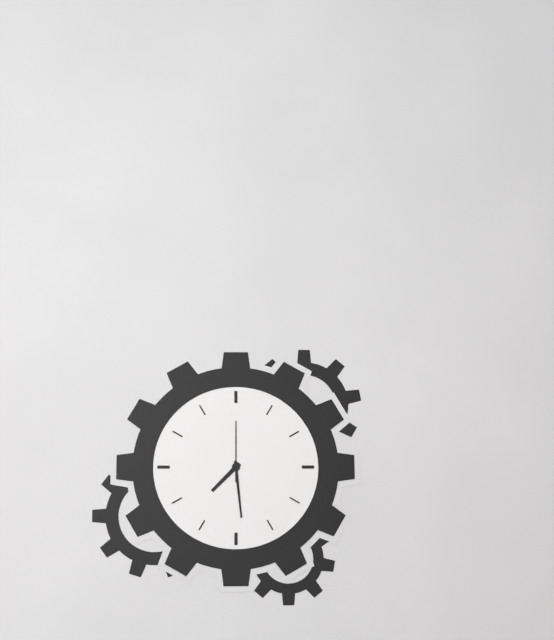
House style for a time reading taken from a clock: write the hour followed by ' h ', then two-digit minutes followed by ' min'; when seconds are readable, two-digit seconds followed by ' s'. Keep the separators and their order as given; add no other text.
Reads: 7 h 29 min 00 s
